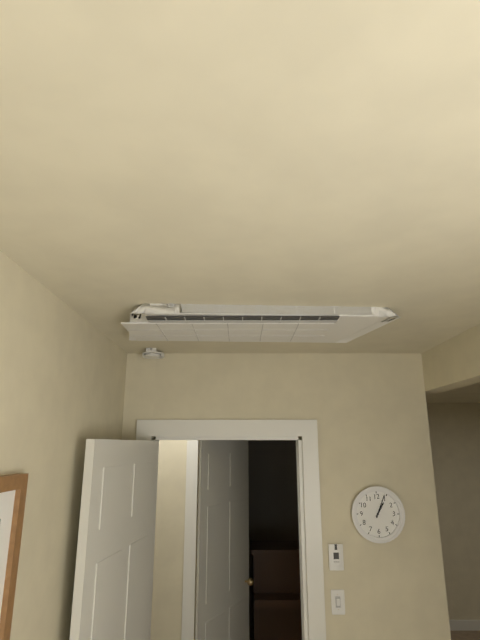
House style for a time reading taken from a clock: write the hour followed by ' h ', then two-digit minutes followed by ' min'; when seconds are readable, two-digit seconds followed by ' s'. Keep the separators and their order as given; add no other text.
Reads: 1 h 04 min
